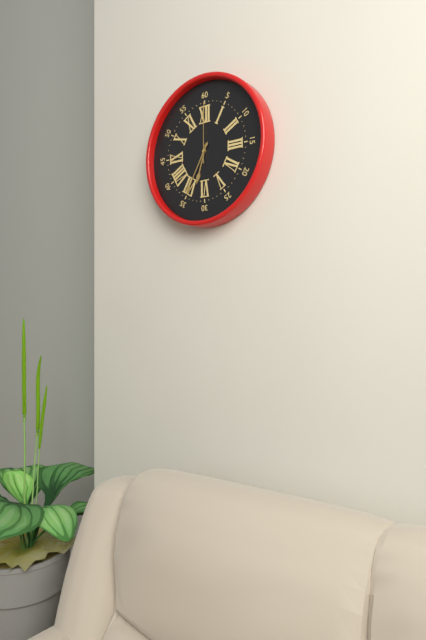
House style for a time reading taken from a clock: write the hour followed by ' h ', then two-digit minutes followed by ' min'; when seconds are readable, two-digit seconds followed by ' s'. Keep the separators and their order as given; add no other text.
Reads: 6 h 35 min 00 s
